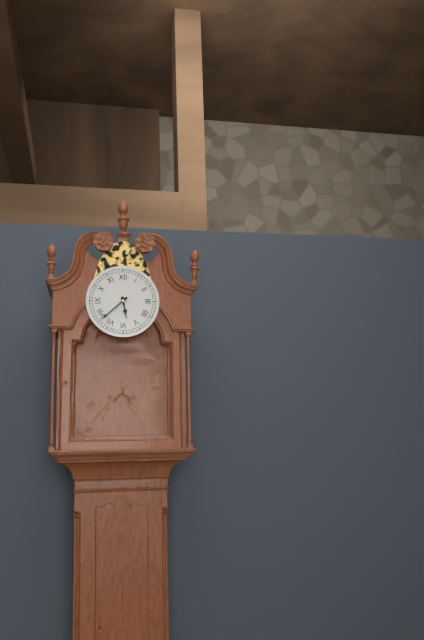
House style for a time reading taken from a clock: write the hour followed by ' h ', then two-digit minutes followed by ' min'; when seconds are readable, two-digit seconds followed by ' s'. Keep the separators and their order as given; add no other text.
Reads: 5 h 38 min
